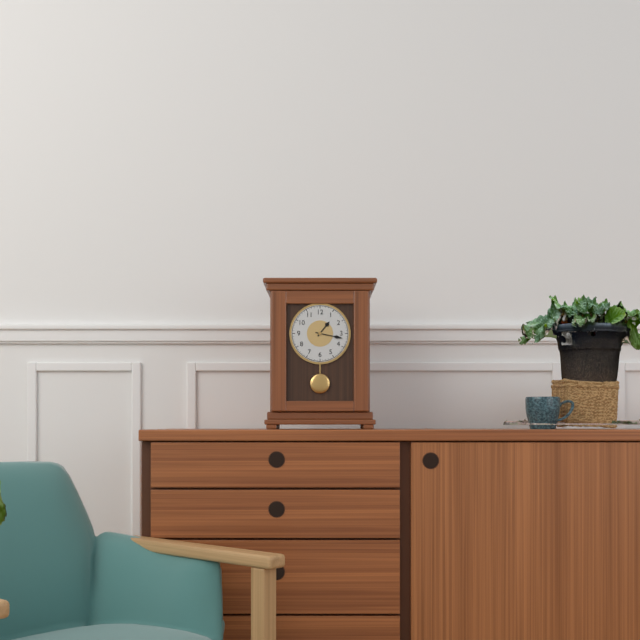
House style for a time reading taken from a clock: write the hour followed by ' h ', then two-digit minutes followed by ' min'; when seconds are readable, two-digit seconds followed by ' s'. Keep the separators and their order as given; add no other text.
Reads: 1 h 17 min
